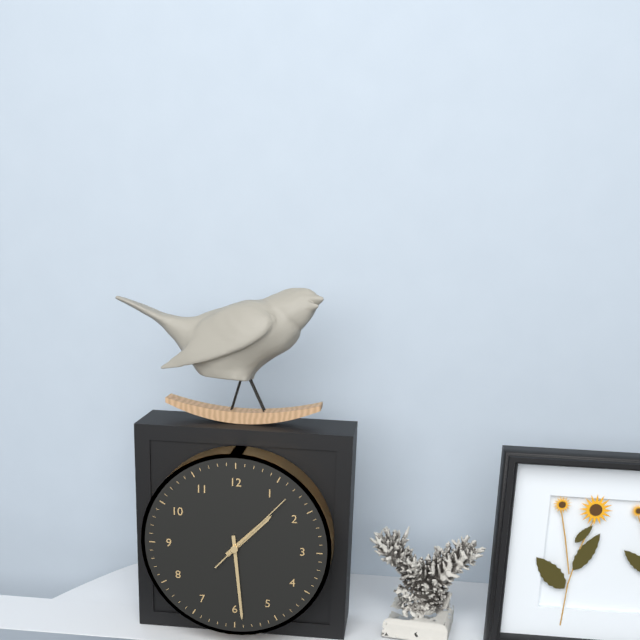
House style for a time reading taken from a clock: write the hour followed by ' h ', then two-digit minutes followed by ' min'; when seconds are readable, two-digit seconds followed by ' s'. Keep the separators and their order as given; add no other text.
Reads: 1 h 29 min 07 s
